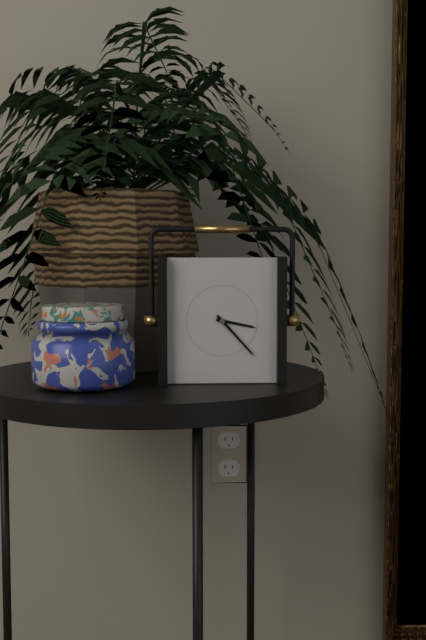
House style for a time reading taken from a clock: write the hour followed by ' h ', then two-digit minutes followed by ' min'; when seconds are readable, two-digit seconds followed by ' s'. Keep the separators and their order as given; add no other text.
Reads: 3 h 23 min
